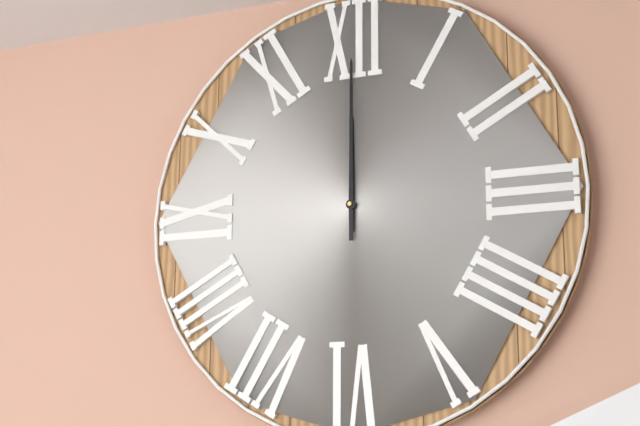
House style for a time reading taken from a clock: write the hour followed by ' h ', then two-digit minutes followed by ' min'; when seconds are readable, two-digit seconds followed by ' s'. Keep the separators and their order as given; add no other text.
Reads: 12 h 00 min
